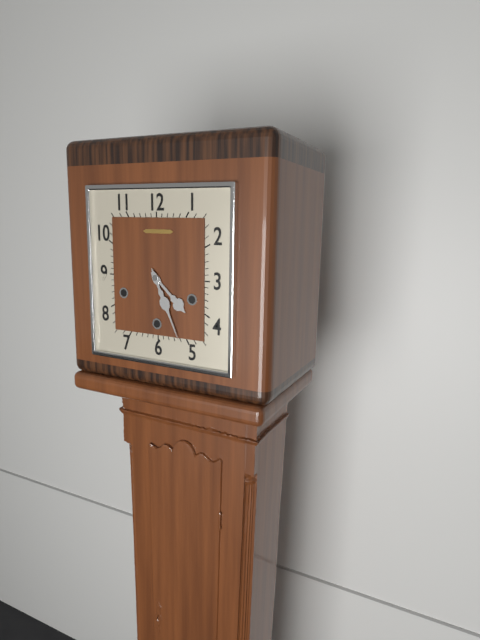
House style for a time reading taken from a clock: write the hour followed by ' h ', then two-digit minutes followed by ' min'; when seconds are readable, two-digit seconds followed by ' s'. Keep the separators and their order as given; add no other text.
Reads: 4 h 26 min
